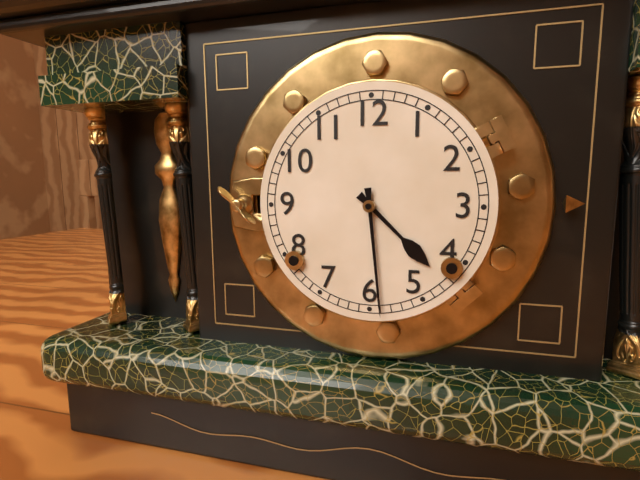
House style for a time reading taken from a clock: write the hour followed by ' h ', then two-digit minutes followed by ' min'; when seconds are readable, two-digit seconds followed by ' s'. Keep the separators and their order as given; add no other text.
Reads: 4 h 29 min
